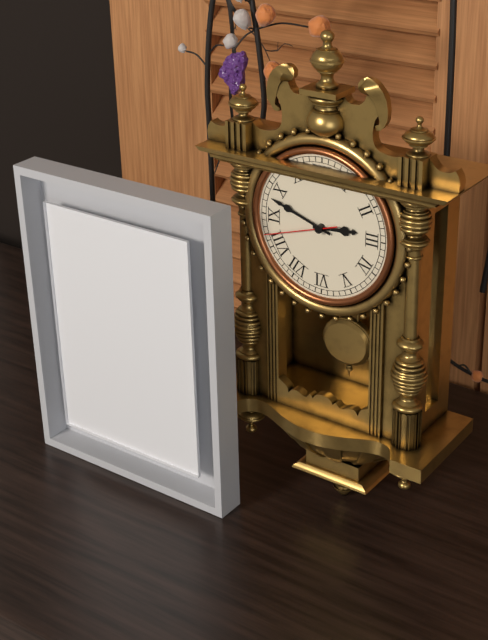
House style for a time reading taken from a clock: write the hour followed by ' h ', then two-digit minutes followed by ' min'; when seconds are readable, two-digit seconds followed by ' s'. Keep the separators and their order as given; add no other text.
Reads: 2 h 48 min 42 s
